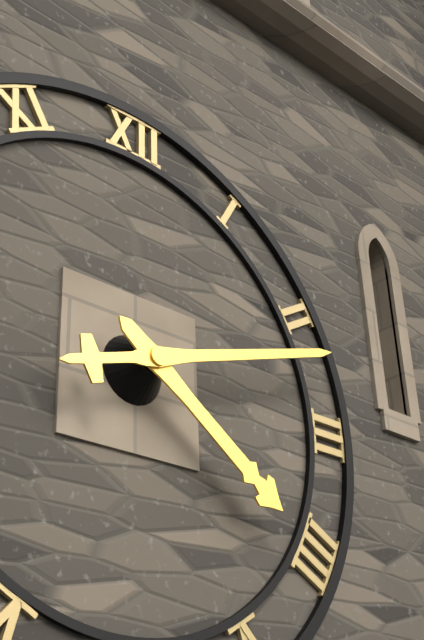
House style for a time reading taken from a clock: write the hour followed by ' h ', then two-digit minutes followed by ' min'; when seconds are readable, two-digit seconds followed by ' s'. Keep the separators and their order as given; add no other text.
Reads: 4 h 12 min
